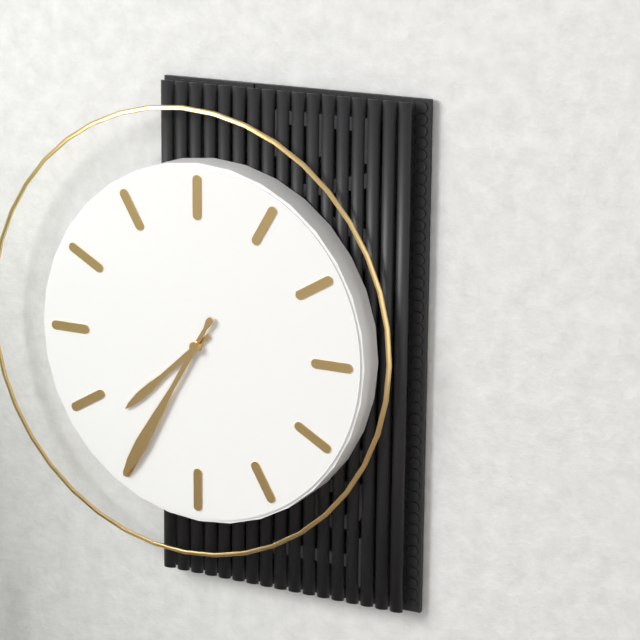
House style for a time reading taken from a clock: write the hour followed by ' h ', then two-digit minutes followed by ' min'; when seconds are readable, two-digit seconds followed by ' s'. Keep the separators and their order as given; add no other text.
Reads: 7 h 35 min
